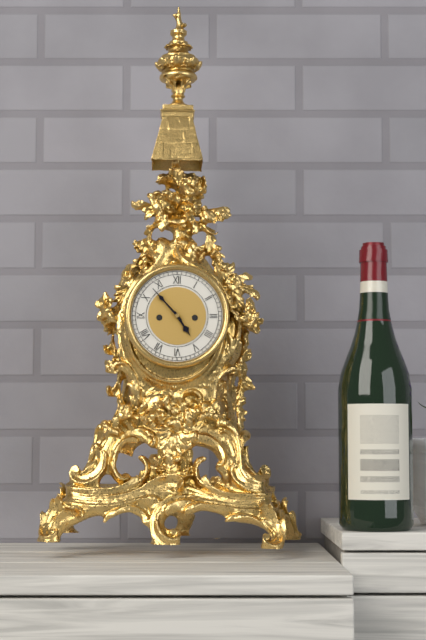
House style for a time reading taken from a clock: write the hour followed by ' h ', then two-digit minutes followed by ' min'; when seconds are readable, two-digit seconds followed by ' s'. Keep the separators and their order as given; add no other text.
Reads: 4 h 53 min
